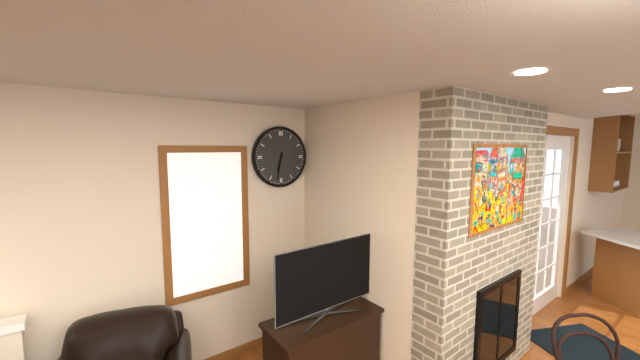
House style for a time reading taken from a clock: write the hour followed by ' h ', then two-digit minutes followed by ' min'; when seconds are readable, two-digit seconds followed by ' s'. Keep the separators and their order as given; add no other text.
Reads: 6 h 32 min
